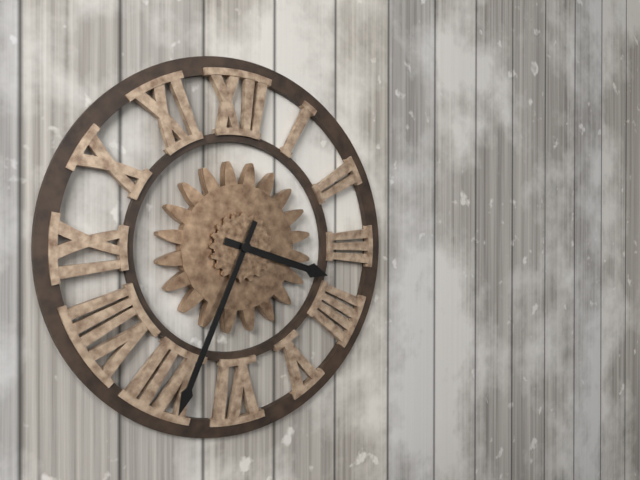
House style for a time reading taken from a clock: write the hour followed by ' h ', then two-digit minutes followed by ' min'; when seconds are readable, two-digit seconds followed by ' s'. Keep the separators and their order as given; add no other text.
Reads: 3 h 34 min
